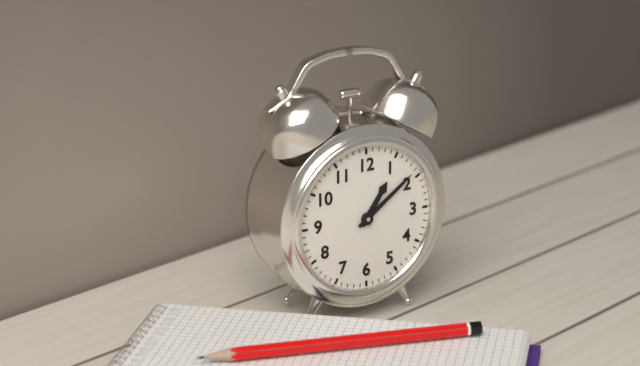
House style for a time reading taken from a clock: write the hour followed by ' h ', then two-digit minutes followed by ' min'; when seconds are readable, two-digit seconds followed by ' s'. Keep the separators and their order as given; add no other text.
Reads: 1 h 09 min
